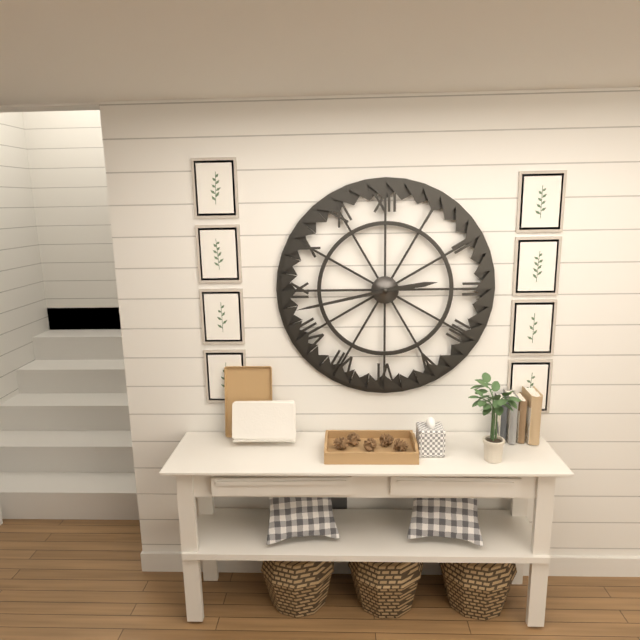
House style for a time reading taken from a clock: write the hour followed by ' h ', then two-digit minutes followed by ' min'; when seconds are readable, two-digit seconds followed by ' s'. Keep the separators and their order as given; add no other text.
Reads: 2 h 43 min
